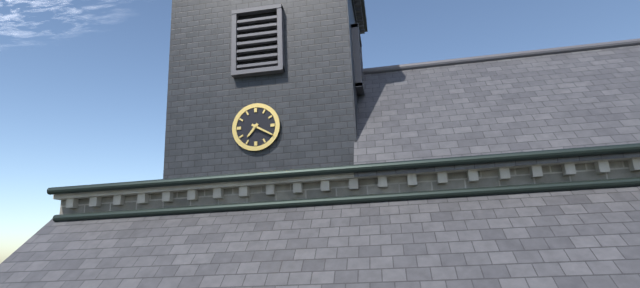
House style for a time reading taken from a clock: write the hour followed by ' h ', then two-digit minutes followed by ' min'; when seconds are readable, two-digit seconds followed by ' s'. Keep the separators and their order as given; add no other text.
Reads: 7 h 20 min
